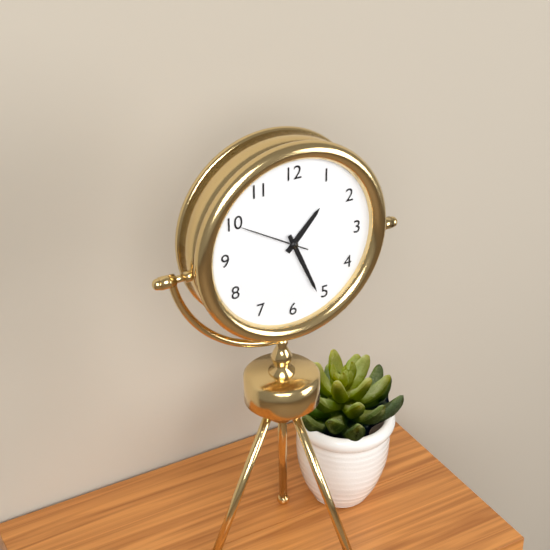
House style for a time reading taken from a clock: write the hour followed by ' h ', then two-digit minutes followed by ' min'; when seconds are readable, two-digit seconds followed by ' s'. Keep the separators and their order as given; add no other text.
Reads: 1 h 26 min 50 s
